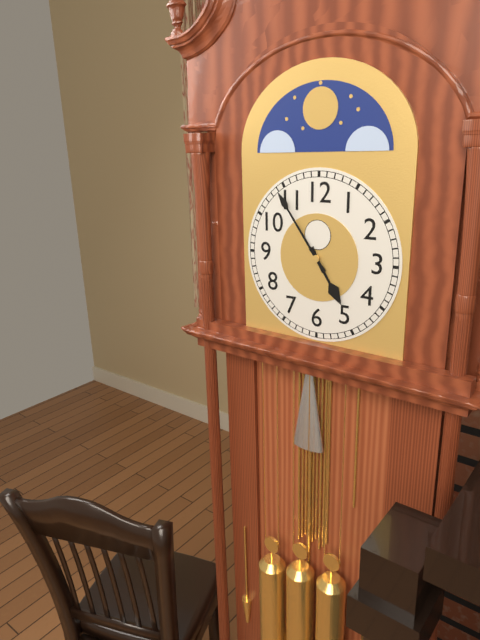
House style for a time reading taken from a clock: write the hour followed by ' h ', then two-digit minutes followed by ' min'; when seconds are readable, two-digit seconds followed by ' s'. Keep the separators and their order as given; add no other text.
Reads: 4 h 54 min
